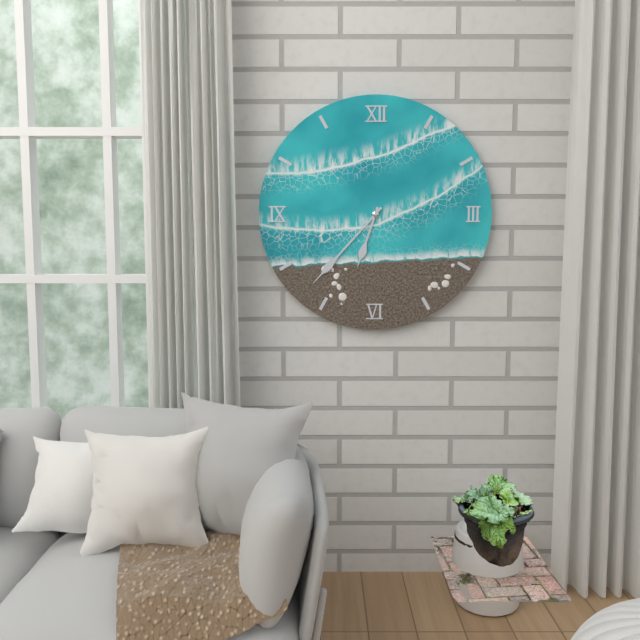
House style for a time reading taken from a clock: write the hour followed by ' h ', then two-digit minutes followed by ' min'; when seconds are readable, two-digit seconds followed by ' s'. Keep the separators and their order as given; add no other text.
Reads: 6 h 37 min
